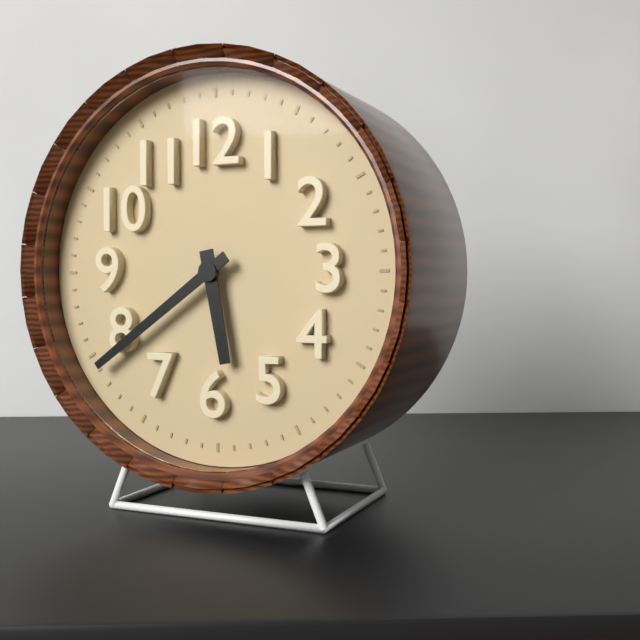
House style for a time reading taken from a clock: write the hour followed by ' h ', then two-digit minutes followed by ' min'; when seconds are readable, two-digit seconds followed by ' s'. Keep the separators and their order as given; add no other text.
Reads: 5 h 39 min
